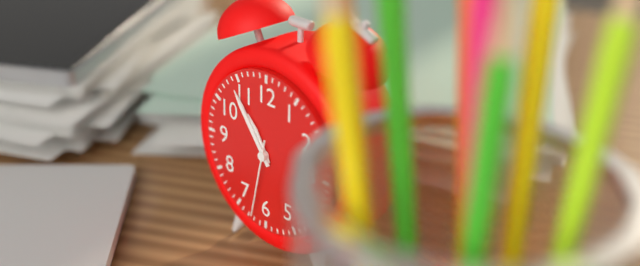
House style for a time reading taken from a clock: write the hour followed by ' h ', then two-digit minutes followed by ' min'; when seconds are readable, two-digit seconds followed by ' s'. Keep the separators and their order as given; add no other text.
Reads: 10 h 54 min 32 s
